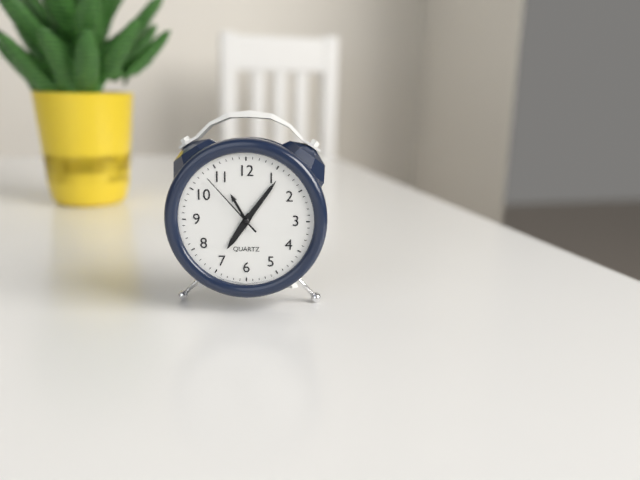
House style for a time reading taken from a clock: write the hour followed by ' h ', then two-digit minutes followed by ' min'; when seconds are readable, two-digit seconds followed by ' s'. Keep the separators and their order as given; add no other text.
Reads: 7 h 06 min 53 s
